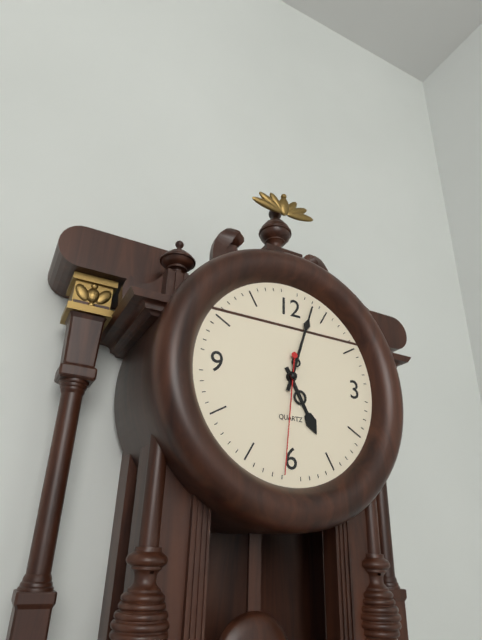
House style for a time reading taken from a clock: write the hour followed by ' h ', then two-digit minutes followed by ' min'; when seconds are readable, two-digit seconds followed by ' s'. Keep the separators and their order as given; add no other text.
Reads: 5 h 03 min 31 s
